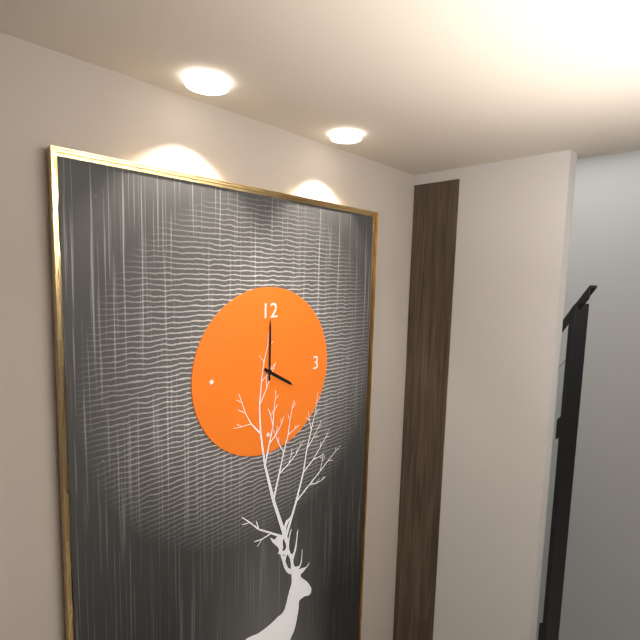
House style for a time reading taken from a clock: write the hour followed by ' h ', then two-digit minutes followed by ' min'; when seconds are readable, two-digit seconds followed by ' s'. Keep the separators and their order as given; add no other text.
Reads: 4 h 00 min
